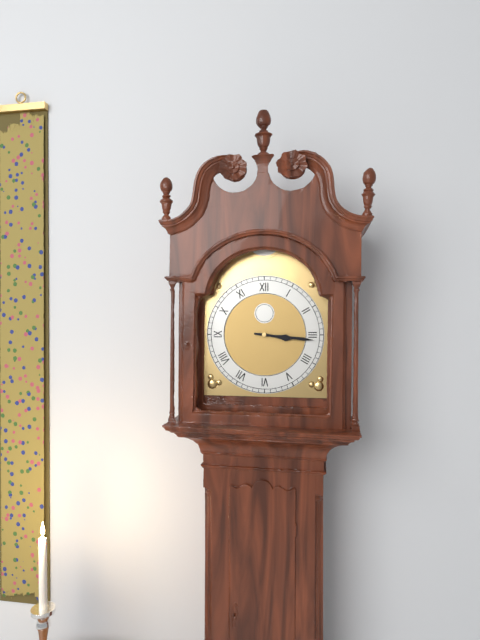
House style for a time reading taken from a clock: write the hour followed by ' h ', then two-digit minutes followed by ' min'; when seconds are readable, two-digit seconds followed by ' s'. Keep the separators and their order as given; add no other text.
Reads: 3 h 16 min
